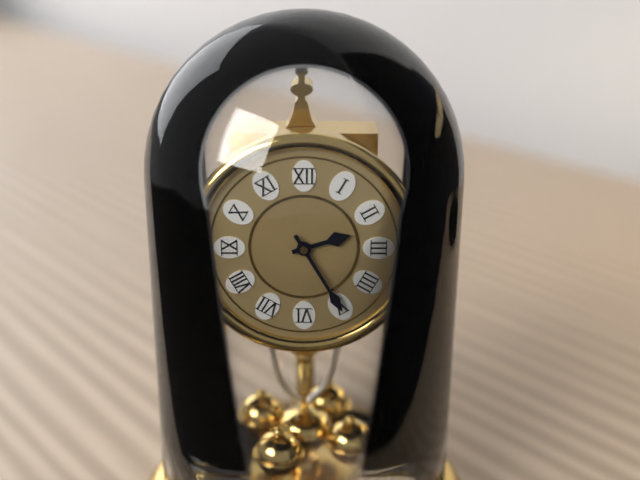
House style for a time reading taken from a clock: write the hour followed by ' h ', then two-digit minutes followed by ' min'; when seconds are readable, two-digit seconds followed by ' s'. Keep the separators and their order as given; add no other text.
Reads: 2 h 25 min
